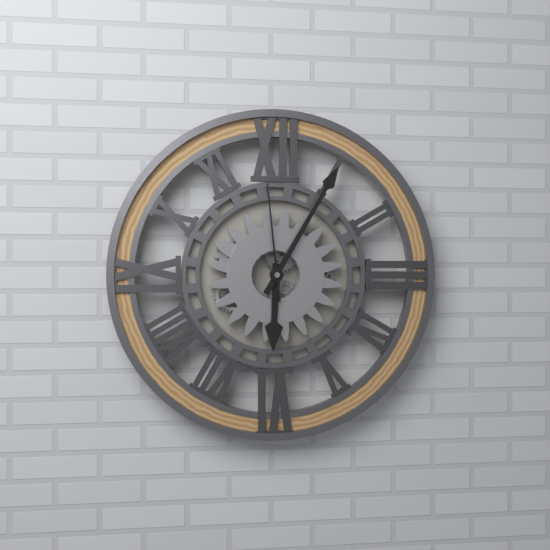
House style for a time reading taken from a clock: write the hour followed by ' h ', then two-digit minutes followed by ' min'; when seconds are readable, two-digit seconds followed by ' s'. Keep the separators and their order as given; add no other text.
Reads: 6 h 05 min 59 s
